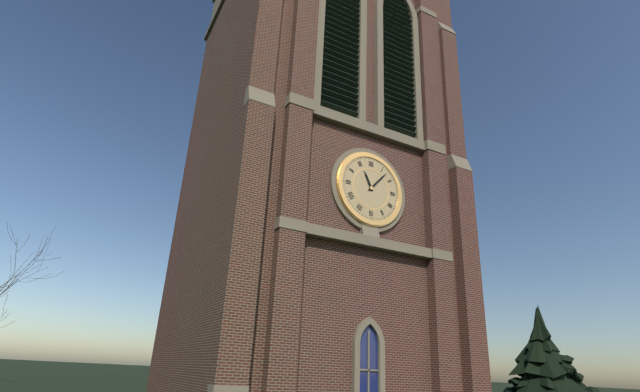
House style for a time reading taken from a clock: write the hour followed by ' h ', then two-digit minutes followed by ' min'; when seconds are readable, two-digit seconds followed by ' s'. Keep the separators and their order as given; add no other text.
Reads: 11 h 07 min
